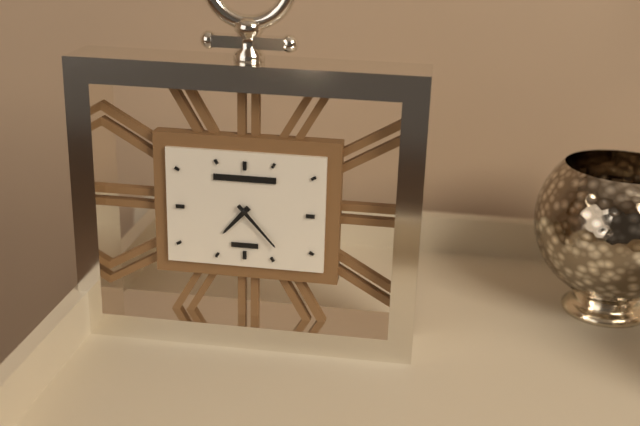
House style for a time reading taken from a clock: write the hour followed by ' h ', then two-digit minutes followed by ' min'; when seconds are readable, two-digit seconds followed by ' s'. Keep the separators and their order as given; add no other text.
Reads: 7 h 23 min
